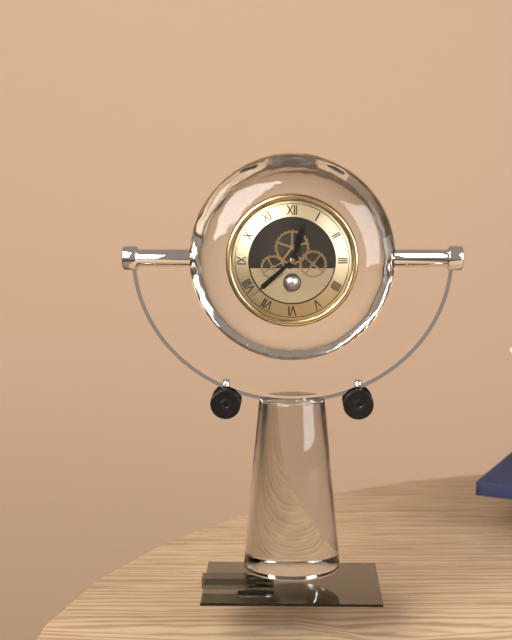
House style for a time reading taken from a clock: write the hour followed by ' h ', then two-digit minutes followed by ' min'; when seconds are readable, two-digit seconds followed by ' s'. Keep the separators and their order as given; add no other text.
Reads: 12 h 38 min
